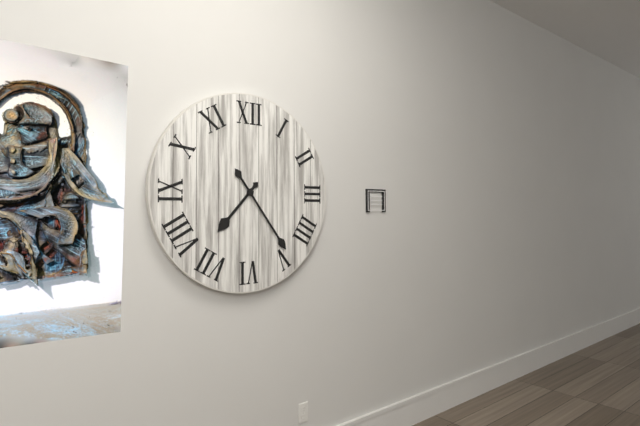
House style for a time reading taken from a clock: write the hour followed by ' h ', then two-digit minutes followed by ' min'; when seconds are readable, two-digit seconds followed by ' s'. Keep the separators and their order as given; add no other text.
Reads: 7 h 24 min
